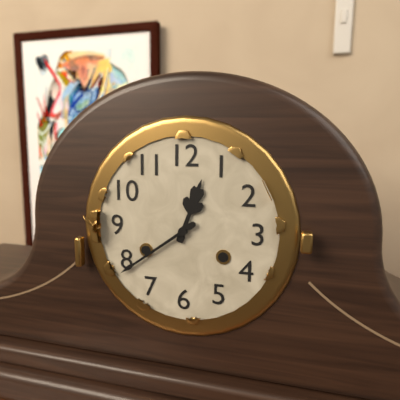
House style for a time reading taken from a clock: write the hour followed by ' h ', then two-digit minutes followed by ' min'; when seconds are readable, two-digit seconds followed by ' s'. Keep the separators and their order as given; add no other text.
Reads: 12 h 39 min
